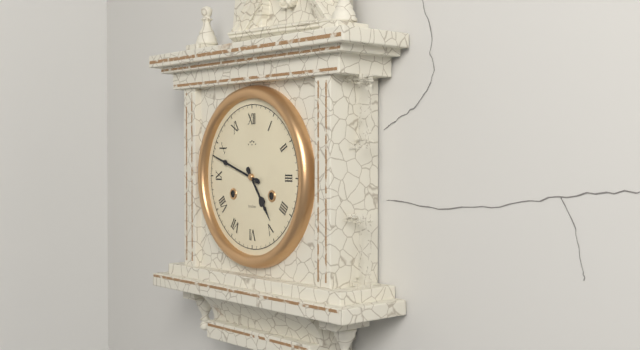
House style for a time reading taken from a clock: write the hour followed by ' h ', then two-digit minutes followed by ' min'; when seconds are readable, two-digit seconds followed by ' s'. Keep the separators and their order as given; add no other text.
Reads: 4 h 48 min
